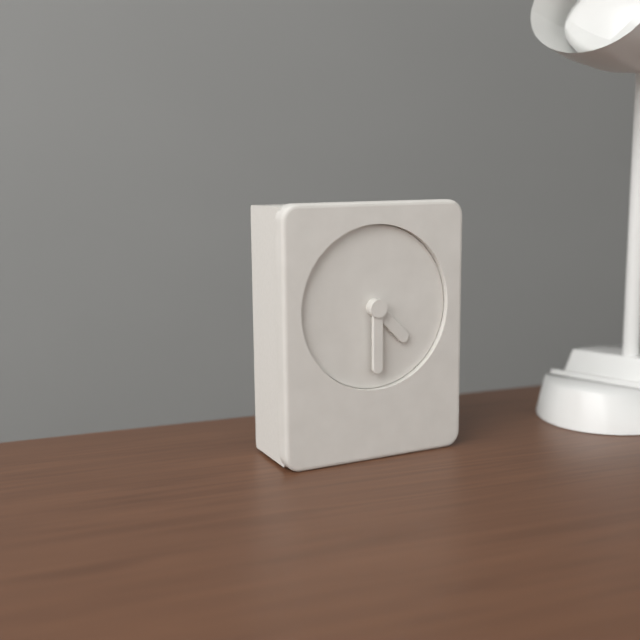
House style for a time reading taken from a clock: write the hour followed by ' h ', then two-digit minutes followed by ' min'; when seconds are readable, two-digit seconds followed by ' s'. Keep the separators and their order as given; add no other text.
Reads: 4 h 30 min
